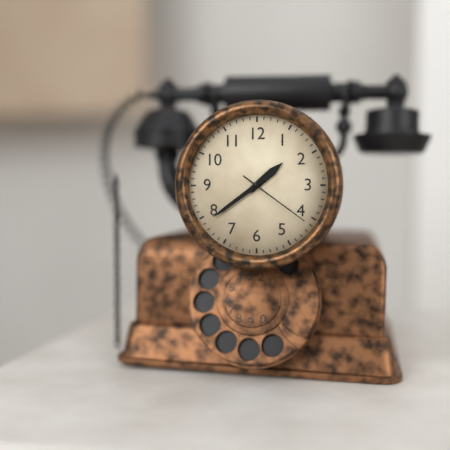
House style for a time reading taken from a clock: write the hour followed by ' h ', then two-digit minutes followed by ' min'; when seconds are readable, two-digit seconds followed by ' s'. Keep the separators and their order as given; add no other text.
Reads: 1 h 39 min 21 s
